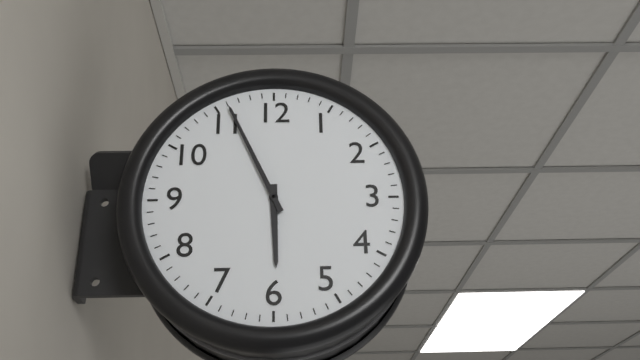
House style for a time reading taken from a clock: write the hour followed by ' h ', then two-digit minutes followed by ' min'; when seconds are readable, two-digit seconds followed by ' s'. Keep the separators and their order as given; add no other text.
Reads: 5 h 56 min
